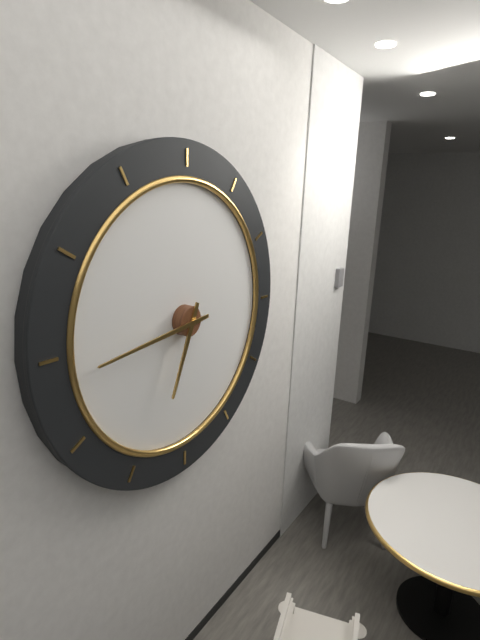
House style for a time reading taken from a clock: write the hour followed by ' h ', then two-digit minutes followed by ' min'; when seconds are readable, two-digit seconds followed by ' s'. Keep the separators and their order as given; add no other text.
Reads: 6 h 44 min
